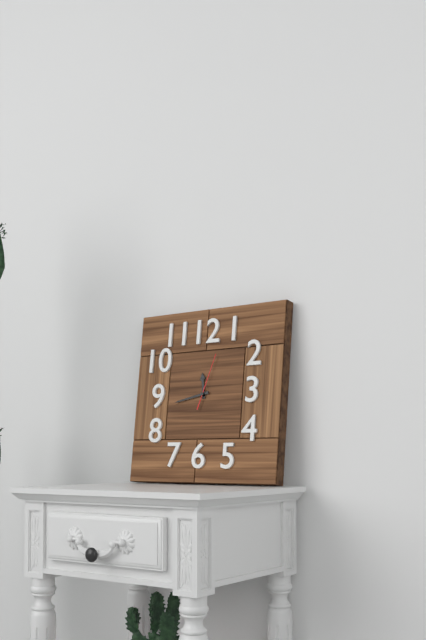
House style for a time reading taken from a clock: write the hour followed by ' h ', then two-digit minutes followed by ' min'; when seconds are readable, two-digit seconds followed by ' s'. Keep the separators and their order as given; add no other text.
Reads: 11 h 43 min 03 s
